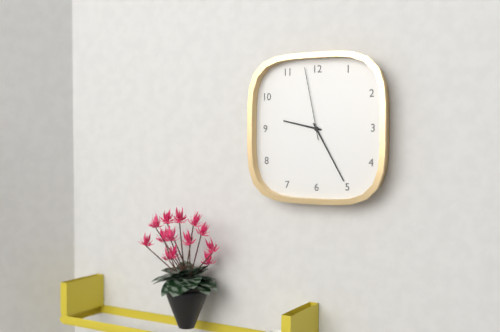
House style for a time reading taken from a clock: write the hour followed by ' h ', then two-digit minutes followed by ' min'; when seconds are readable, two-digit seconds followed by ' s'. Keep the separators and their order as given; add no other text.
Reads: 9 h 25 min 58 s
